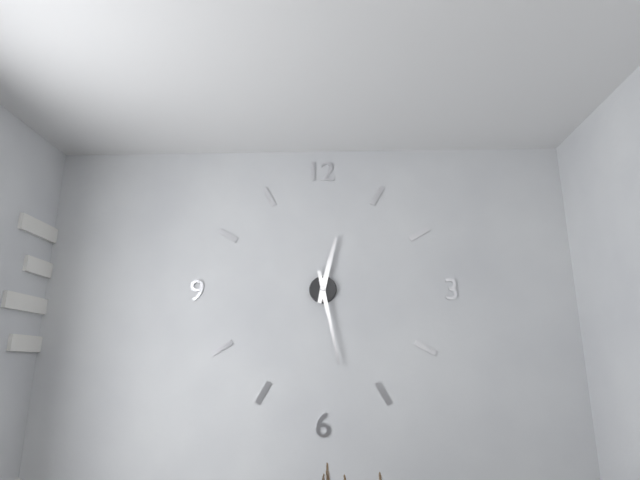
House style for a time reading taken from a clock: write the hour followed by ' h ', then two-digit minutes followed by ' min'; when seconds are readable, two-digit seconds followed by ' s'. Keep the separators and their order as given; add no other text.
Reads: 12 h 28 min
